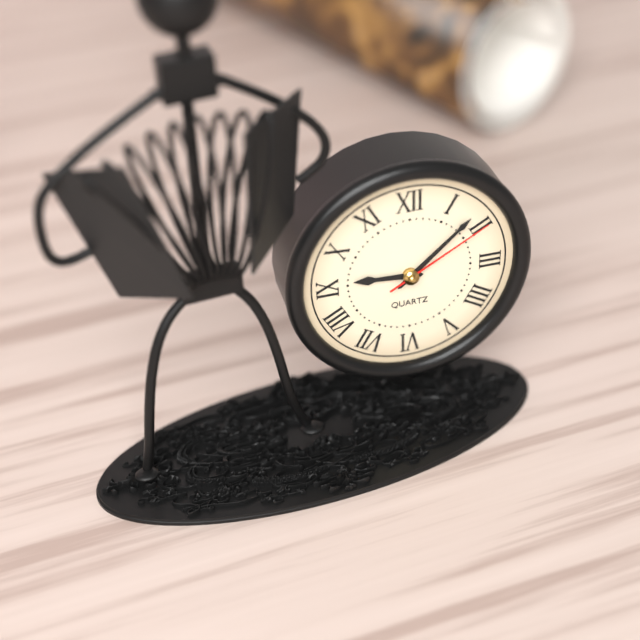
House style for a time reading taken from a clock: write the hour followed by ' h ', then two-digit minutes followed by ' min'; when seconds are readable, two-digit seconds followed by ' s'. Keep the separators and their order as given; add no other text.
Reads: 9 h 08 min 10 s
